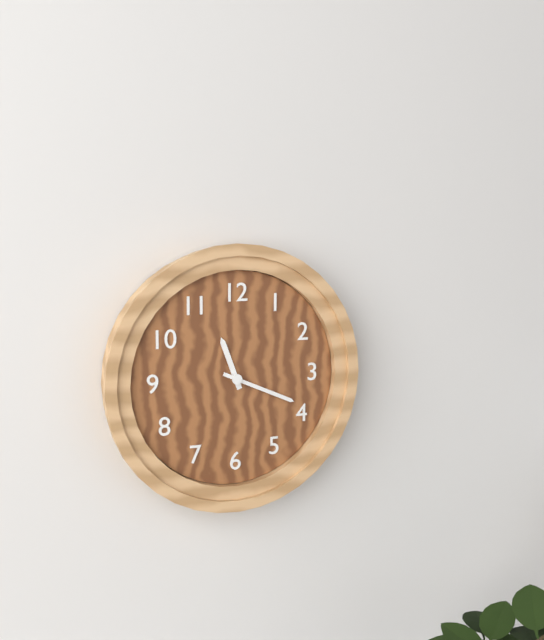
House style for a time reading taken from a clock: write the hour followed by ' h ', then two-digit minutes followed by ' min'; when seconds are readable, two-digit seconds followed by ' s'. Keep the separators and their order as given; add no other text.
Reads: 11 h 19 min
